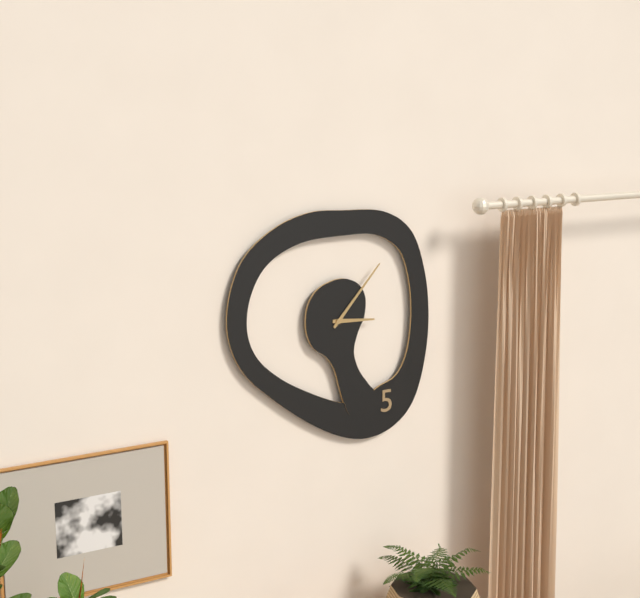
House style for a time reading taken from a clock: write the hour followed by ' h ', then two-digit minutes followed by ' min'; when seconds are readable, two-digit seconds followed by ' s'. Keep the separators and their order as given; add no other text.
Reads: 3 h 07 min
